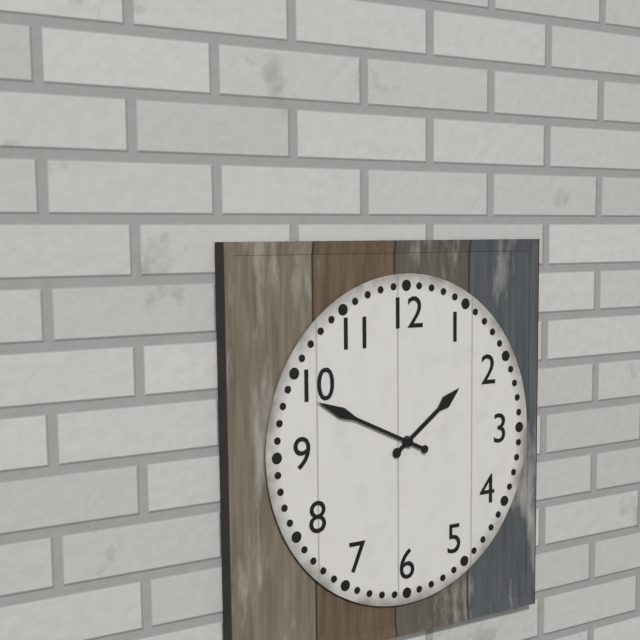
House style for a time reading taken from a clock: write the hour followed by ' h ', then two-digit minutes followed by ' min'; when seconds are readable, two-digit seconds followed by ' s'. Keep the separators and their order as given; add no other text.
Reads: 1 h 49 min
